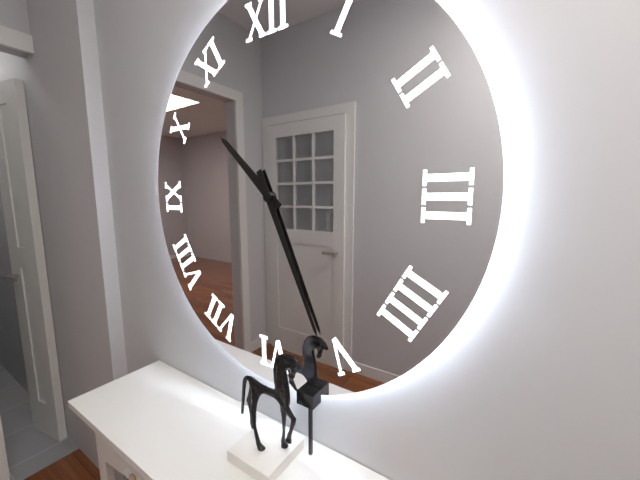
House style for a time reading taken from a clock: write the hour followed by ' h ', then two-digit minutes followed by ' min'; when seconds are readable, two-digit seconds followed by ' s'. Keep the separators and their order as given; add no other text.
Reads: 10 h 26 min
